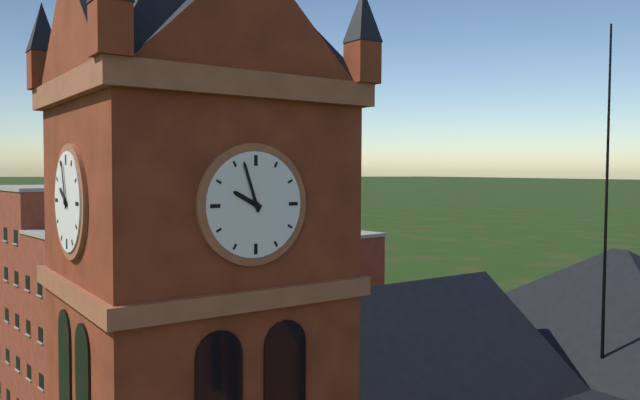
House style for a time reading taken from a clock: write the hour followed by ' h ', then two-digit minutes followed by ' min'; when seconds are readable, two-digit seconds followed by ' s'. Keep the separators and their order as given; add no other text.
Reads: 9 h 57 min
